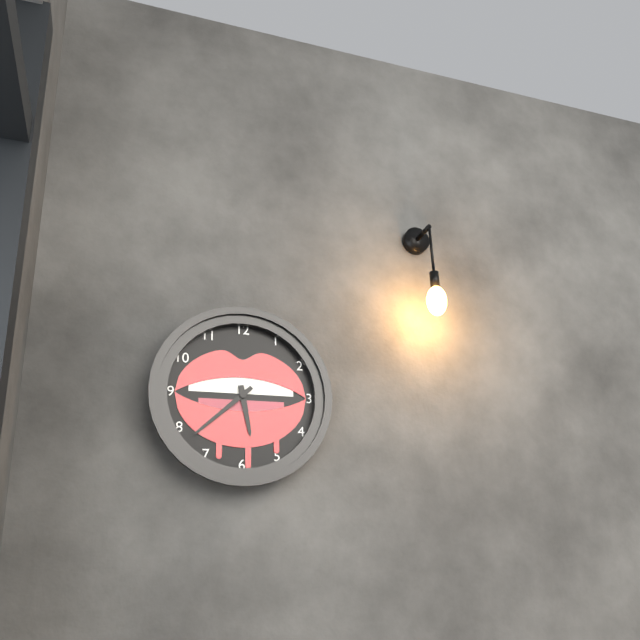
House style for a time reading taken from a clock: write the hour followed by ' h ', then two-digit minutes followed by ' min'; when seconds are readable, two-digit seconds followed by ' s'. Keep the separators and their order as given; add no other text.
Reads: 5 h 38 min
